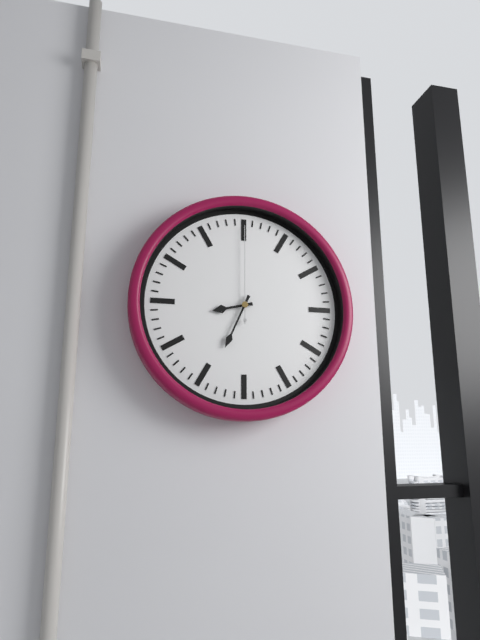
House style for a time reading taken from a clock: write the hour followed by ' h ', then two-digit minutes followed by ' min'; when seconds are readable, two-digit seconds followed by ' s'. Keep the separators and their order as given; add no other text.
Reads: 8 h 34 min 00 s
